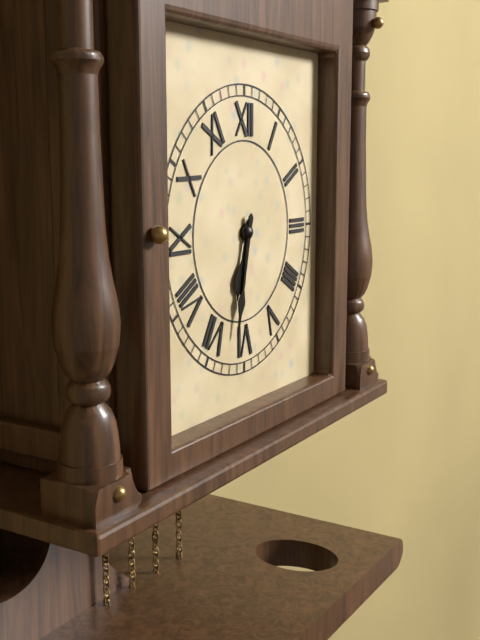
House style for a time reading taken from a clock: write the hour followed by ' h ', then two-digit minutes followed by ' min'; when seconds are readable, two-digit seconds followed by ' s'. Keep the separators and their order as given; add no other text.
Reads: 6 h 32 min
